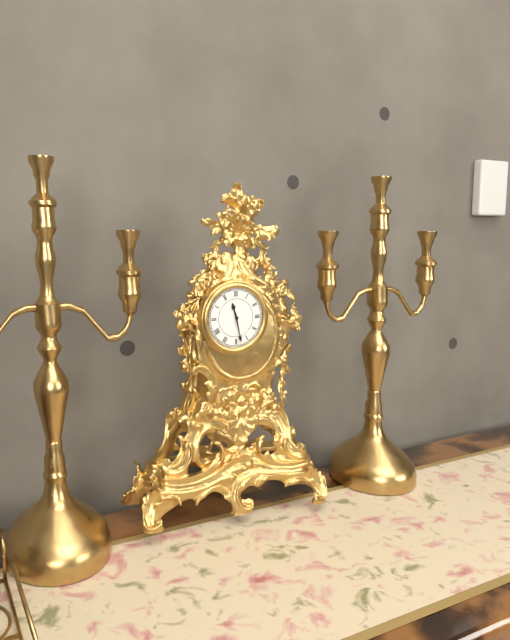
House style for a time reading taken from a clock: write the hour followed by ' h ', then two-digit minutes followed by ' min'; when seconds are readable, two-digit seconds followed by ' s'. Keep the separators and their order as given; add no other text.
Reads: 11 h 28 min
